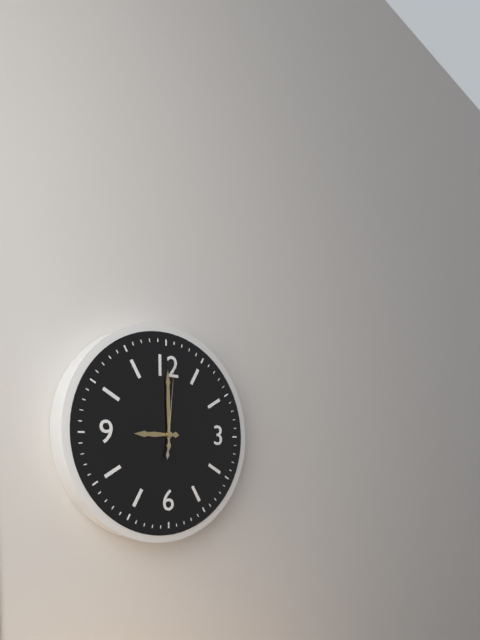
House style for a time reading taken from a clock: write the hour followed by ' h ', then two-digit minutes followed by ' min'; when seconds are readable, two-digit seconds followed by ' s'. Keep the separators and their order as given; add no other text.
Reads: 9 h 00 min 01 s
